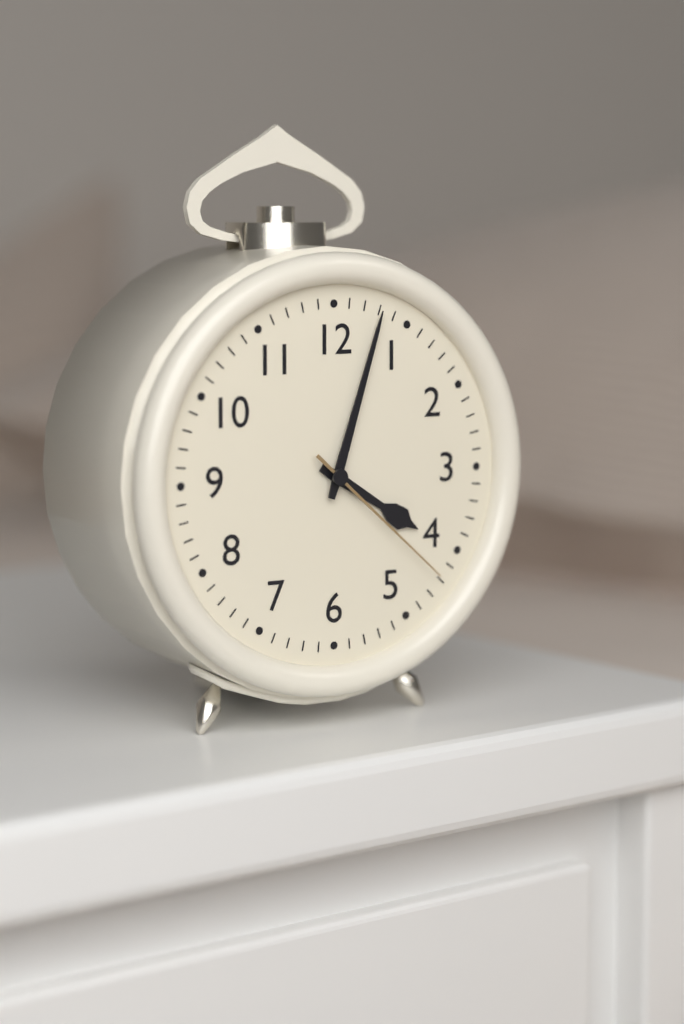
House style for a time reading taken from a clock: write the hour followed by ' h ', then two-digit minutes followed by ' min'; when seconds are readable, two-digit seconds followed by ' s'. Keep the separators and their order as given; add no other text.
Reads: 4 h 03 min 22 s
